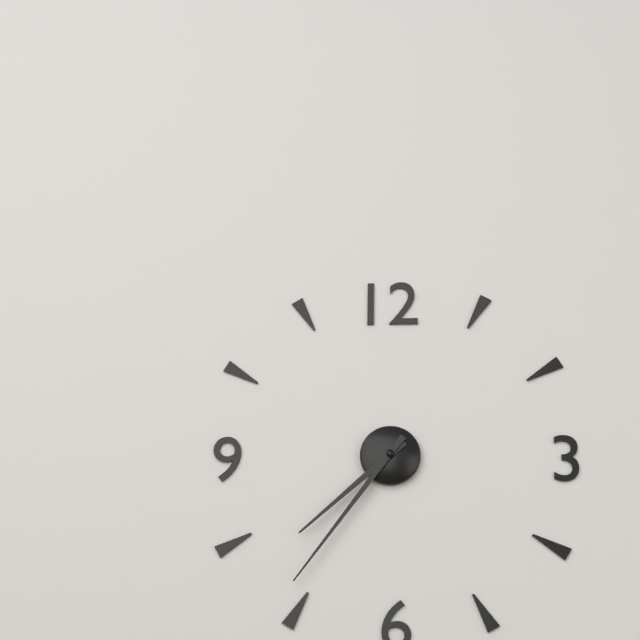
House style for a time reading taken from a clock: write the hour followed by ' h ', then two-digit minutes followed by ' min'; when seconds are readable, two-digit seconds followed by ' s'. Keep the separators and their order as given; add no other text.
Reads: 7 h 36 min
